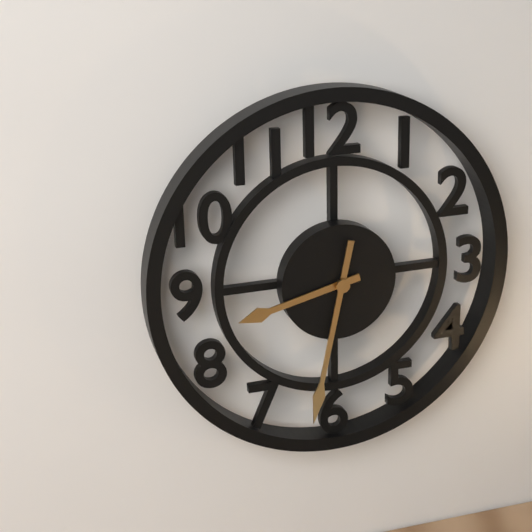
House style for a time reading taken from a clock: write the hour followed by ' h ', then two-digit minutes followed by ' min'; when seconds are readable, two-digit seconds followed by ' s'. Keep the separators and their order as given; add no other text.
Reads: 8 h 32 min
